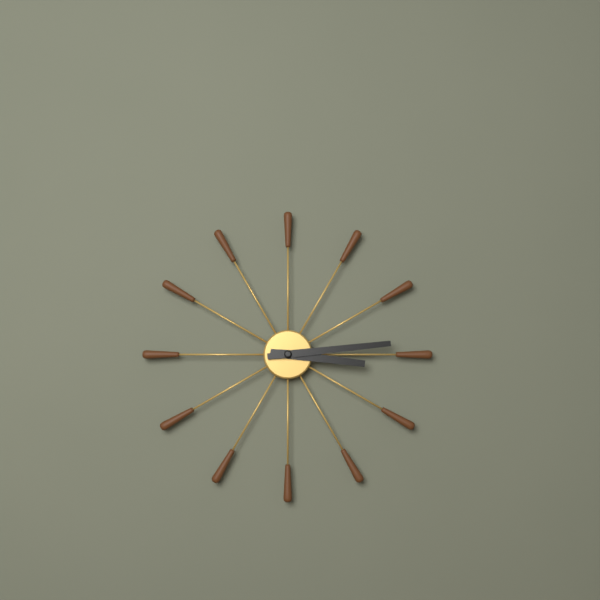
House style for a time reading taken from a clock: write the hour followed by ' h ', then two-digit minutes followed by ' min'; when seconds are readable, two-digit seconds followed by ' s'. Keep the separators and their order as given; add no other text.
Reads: 3 h 14 min
